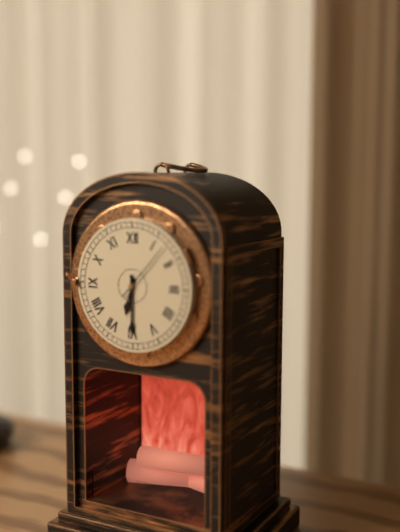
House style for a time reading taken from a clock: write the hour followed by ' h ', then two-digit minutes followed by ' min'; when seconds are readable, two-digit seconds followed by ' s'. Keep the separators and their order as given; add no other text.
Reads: 6 h 30 min
